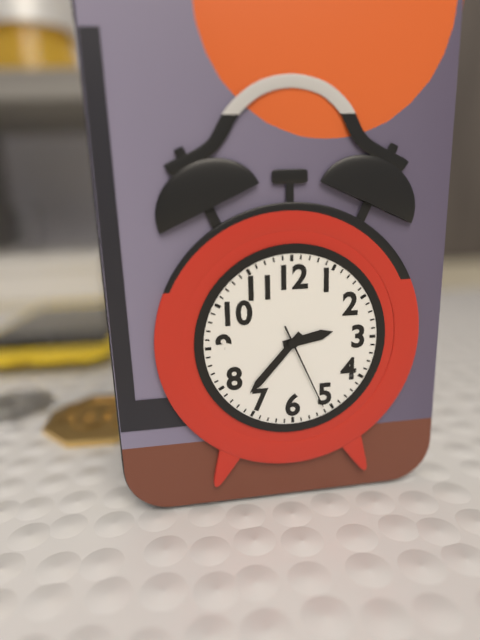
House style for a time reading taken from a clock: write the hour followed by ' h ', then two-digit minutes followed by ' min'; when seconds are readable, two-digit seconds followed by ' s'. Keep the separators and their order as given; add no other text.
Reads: 2 h 37 min 26 s
